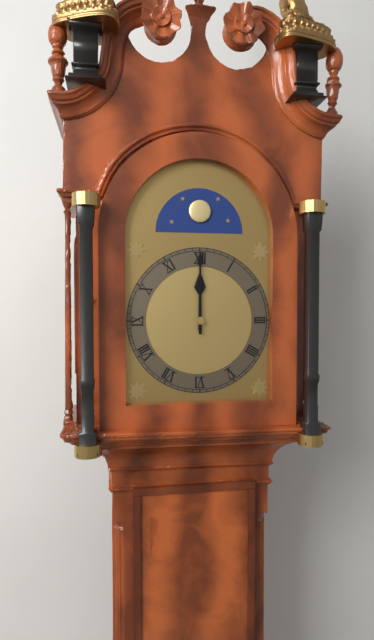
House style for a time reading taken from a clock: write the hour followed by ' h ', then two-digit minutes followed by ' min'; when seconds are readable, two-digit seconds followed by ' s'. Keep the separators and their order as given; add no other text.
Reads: 12 h 00 min
